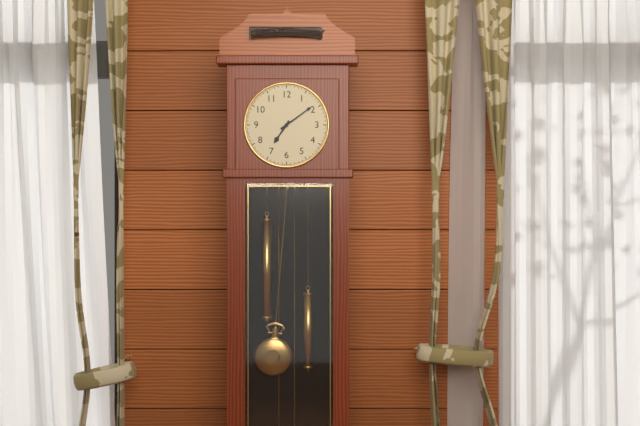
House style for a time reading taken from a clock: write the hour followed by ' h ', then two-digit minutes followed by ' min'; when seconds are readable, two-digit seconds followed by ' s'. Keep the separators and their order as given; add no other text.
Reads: 7 h 09 min
